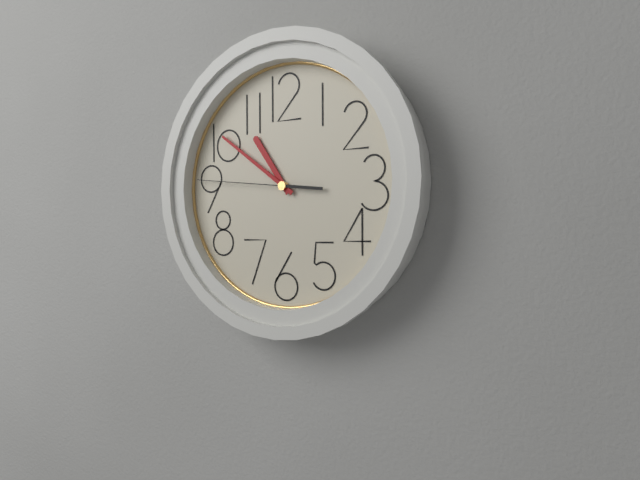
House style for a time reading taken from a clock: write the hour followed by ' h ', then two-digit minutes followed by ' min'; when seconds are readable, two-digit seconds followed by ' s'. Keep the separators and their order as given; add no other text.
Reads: 10 h 51 min 46 s
